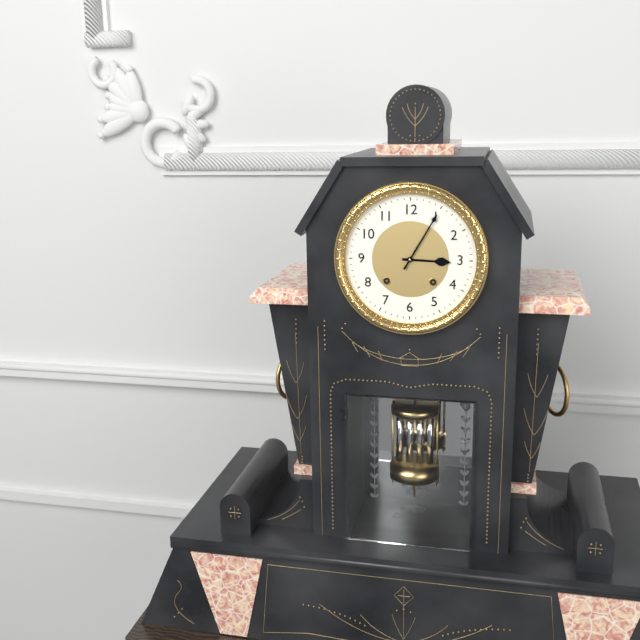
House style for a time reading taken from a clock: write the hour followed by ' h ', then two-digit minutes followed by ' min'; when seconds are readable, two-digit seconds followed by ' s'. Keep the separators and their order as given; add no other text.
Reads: 3 h 05 min
